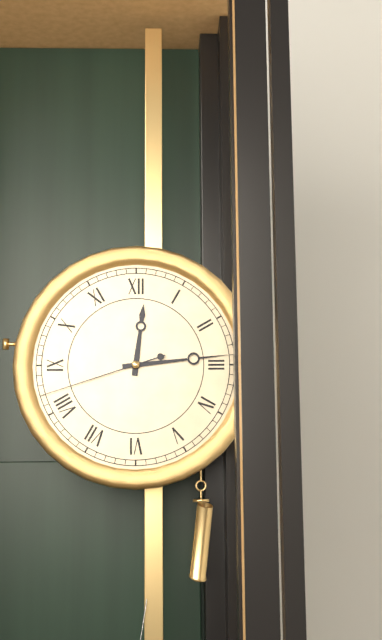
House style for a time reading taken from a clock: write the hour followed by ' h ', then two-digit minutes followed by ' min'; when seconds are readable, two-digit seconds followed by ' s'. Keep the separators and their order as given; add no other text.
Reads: 12 h 14 min 42 s
